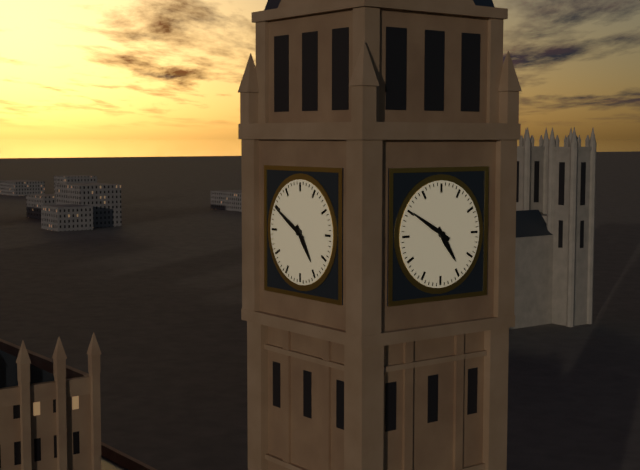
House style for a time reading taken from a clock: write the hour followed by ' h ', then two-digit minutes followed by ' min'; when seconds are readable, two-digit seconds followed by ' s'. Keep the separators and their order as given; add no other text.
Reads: 4 h 50 min
